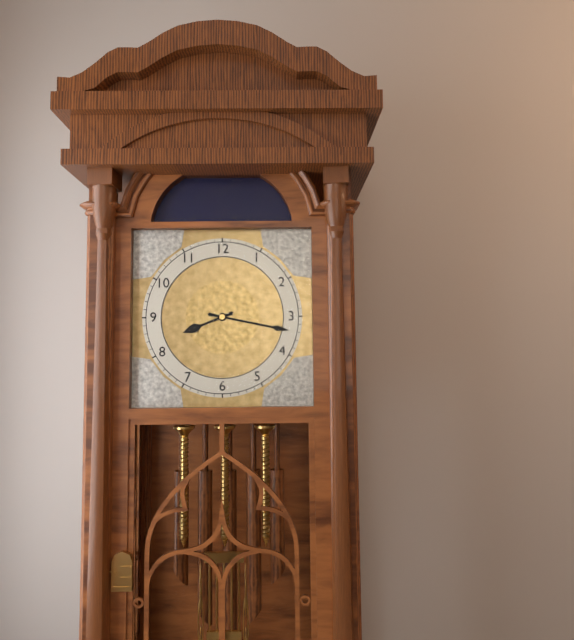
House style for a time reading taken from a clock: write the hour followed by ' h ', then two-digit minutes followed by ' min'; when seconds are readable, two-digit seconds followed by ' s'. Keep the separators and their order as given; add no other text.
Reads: 8 h 17 min
